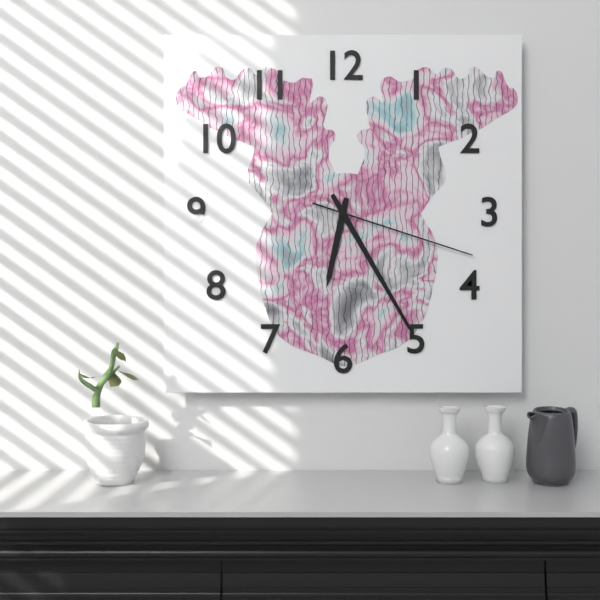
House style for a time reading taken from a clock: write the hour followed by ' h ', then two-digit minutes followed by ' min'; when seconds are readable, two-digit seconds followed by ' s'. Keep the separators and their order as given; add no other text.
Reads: 6 h 25 min 18 s
